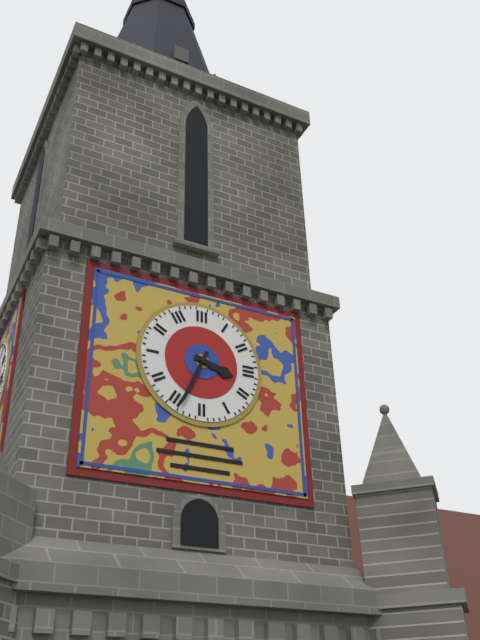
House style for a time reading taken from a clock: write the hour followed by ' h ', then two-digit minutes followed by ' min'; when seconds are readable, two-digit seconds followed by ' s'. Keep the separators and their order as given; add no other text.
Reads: 3 h 34 min
